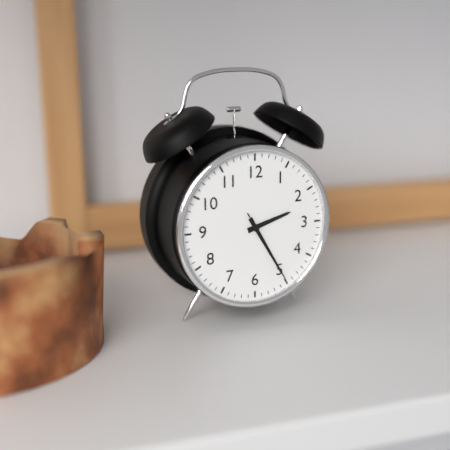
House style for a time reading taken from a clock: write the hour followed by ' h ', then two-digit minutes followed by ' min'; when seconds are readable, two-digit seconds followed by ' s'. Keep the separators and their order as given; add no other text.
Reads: 2 h 25 min 25 s
